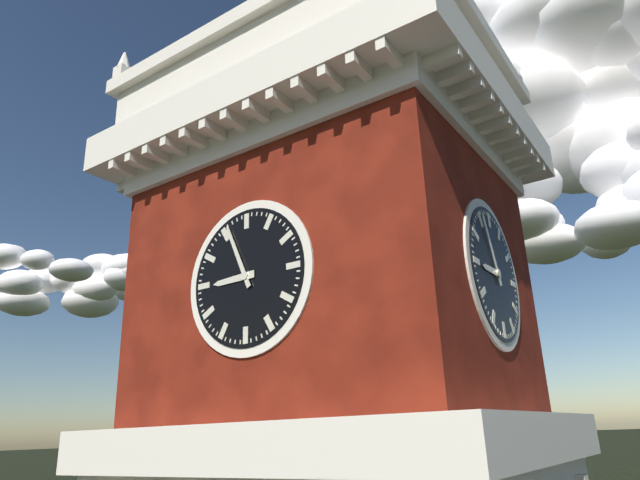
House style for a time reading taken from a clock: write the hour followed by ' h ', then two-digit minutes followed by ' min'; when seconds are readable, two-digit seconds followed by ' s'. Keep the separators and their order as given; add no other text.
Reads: 8 h 56 min
